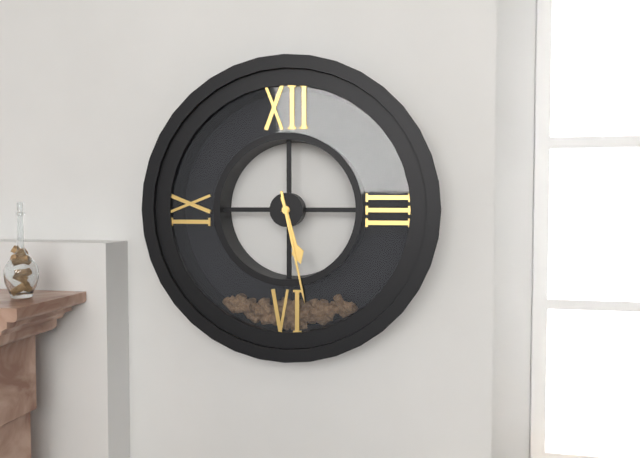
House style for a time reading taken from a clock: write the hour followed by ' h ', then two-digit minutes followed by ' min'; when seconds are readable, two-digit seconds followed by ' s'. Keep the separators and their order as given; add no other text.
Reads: 5 h 28 min
